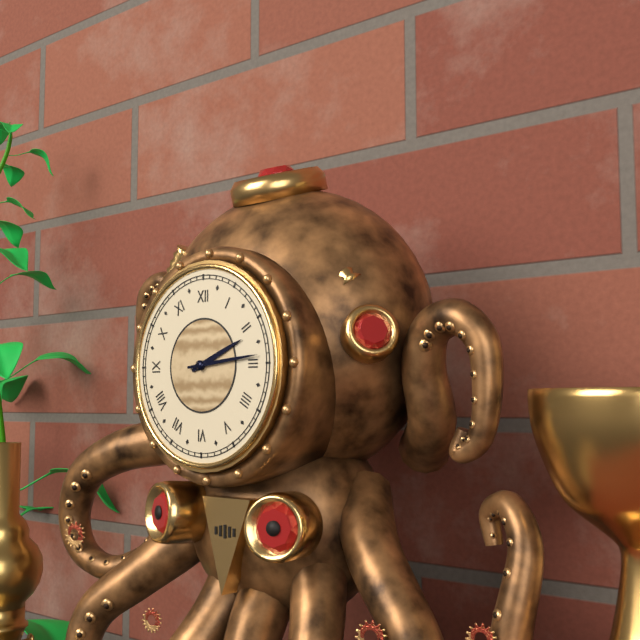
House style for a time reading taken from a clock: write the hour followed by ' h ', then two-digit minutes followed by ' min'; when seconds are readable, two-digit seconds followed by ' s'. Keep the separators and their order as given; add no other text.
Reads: 2 h 14 min
